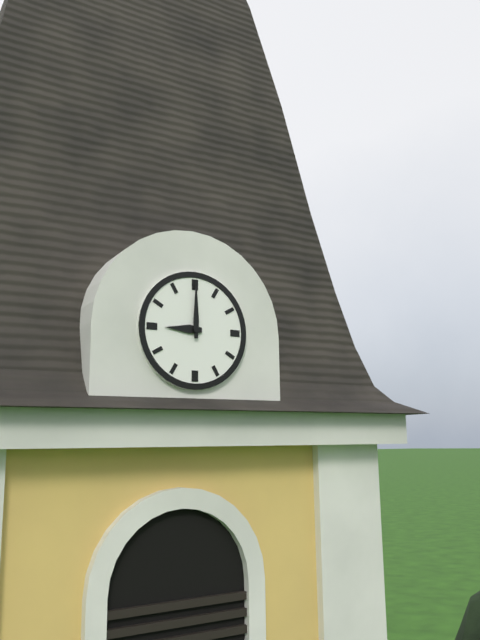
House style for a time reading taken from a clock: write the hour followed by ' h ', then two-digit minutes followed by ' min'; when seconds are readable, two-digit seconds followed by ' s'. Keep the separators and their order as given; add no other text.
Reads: 9 h 00 min
